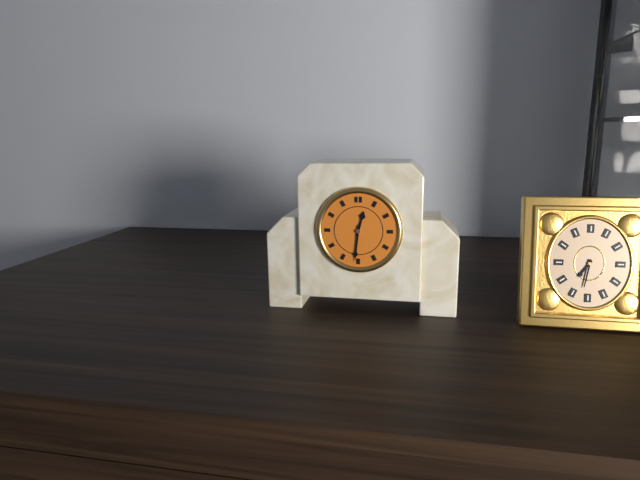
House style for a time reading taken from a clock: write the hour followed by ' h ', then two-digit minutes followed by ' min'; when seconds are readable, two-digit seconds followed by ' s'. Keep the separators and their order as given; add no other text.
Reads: 12 h 31 min
